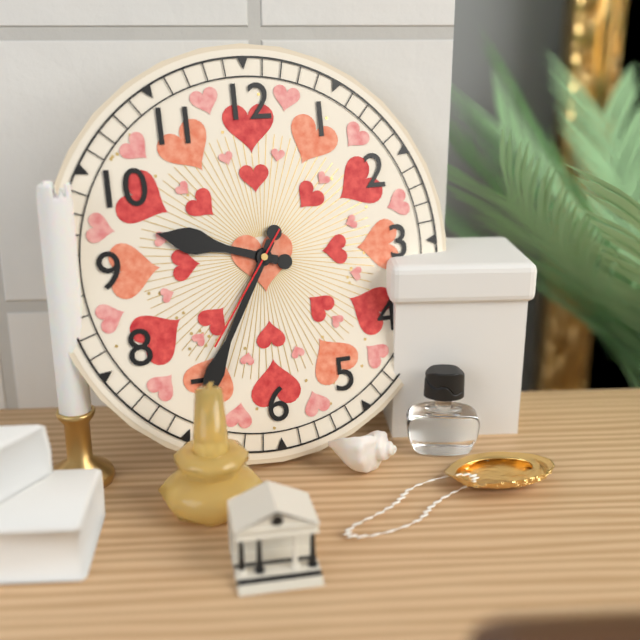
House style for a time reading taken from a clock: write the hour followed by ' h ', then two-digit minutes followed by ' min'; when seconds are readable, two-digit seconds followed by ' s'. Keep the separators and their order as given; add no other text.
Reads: 9 h 35 min 36 s
